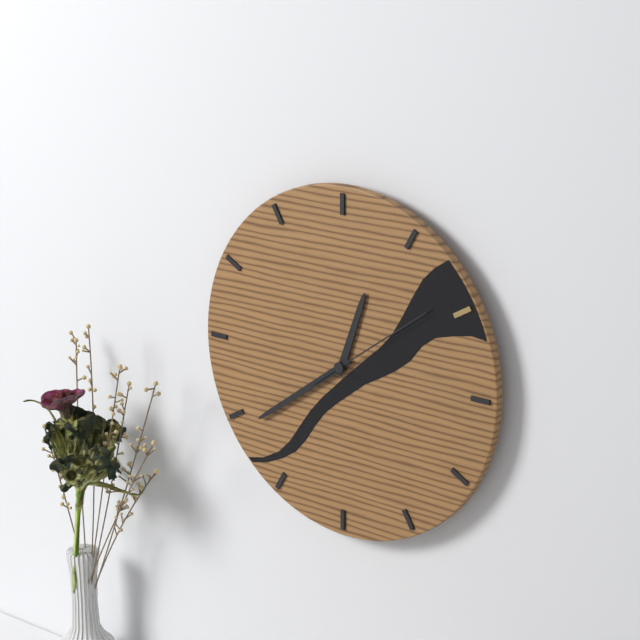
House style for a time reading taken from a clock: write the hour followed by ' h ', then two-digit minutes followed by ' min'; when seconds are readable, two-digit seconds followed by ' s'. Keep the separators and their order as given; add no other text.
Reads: 12 h 39 min 09 s
